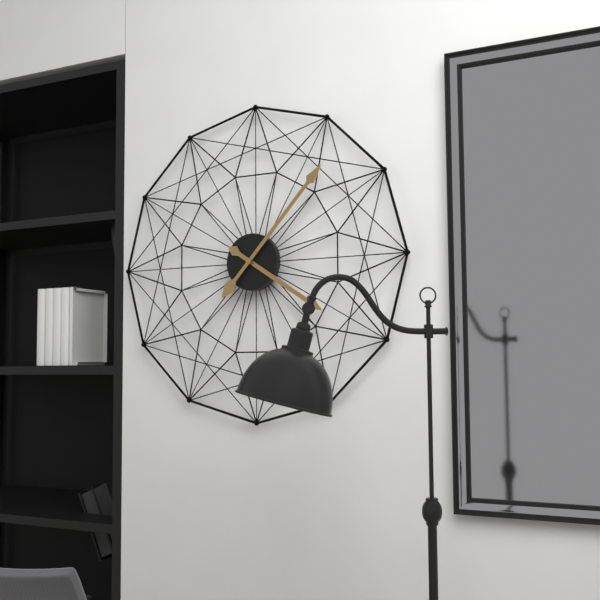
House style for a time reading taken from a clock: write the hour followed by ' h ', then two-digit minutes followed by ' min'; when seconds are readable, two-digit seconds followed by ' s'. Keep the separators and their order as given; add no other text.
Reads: 4 h 07 min
